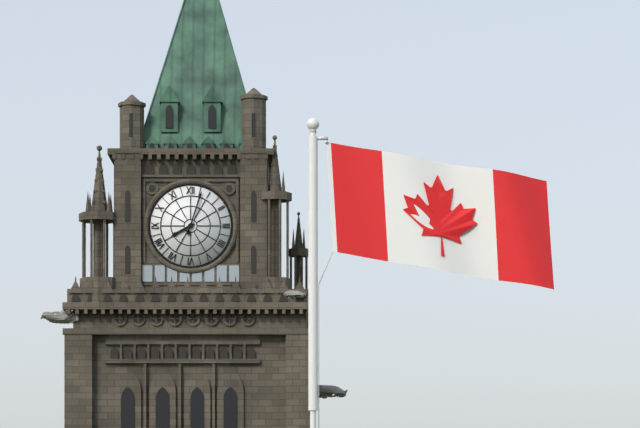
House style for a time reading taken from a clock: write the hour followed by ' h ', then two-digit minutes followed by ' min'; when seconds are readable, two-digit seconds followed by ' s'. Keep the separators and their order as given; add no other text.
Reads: 8 h 03 min
